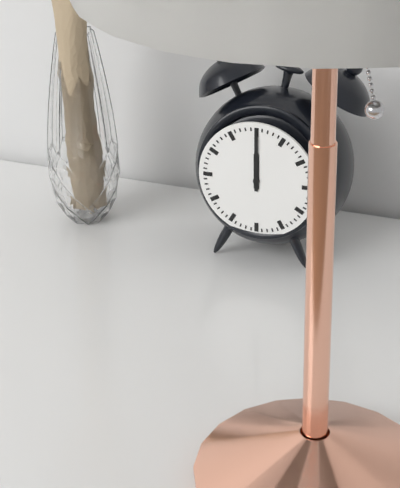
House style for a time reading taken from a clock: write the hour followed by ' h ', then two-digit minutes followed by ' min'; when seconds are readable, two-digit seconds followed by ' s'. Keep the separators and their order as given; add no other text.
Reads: 12 h 00 min
